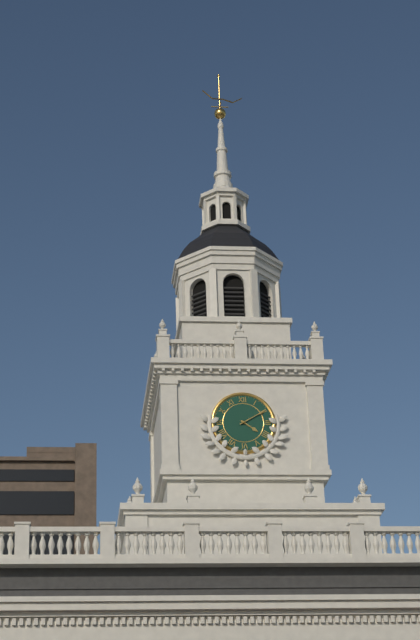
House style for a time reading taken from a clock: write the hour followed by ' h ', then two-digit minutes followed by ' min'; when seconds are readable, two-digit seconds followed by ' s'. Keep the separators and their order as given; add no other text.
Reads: 4 h 10 min
